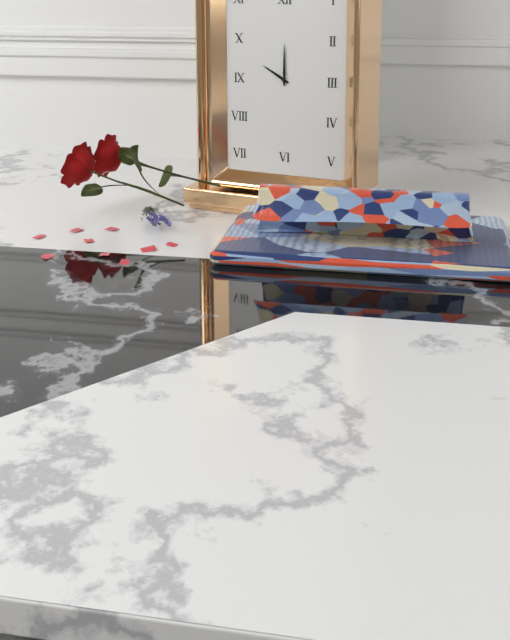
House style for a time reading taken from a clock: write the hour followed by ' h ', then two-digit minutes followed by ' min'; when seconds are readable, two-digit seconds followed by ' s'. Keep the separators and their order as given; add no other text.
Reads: 10 h 00 min
